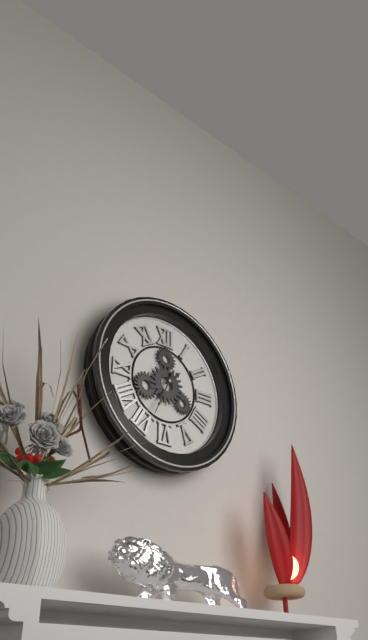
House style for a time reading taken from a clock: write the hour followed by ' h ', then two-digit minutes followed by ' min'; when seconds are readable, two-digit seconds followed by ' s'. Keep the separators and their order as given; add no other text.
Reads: 1 h 34 min
